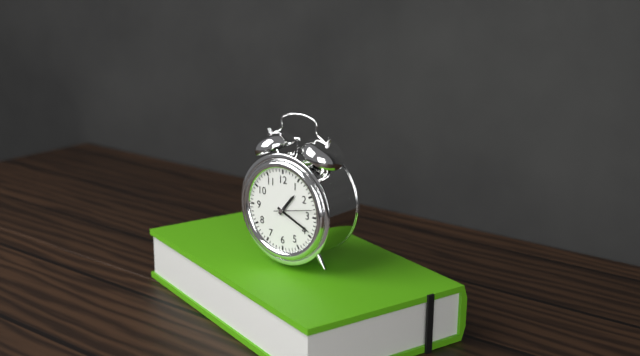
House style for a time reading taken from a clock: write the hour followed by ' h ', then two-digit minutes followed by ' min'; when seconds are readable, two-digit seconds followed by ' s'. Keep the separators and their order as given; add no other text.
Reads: 1 h 19 min
